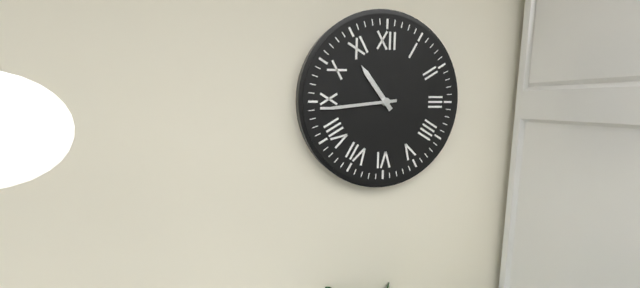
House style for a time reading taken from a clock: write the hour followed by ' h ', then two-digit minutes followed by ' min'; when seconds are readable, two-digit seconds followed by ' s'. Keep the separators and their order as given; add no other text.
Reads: 10 h 44 min
